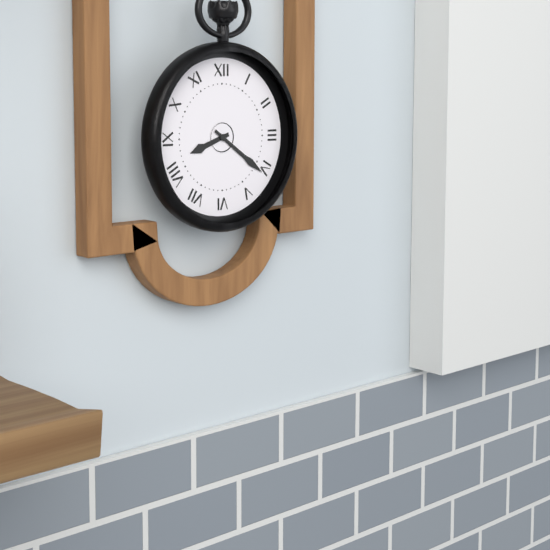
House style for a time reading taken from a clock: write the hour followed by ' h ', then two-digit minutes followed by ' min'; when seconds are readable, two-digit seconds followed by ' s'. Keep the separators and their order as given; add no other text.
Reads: 8 h 21 min
